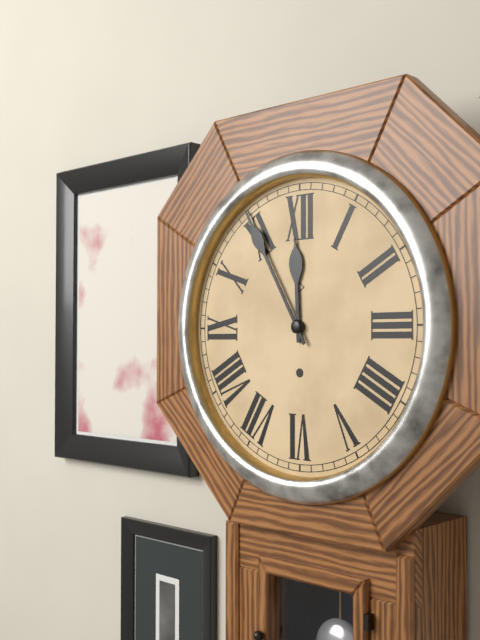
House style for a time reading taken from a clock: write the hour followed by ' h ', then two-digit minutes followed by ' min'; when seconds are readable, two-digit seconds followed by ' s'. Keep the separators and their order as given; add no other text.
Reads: 11 h 55 min
